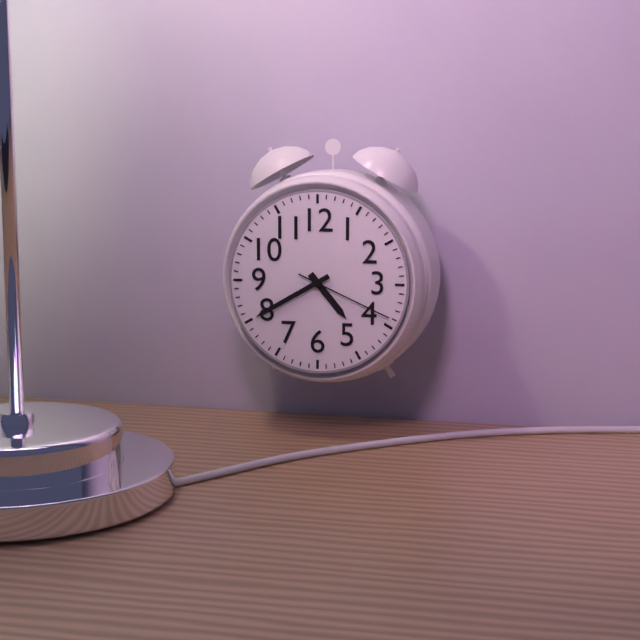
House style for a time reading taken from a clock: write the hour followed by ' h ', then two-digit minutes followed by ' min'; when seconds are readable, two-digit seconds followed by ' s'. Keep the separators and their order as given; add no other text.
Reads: 4 h 40 min 19 s
